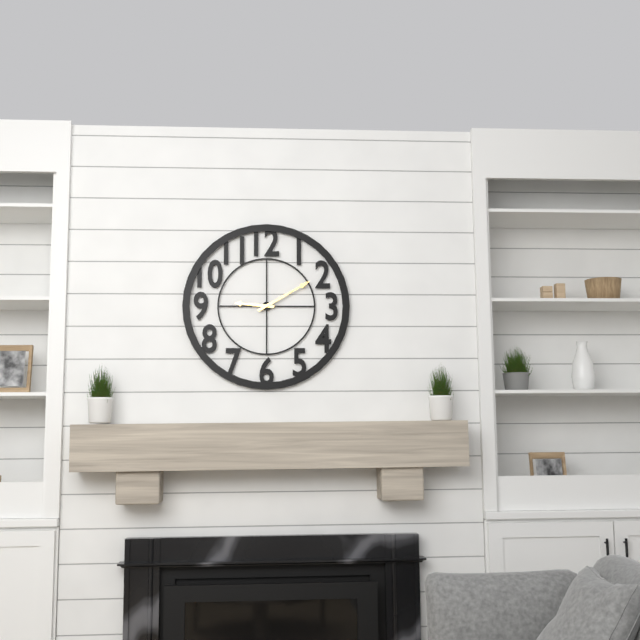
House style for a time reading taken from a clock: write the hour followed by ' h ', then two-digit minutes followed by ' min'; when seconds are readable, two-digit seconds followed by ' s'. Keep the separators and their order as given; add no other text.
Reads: 9 h 10 min
